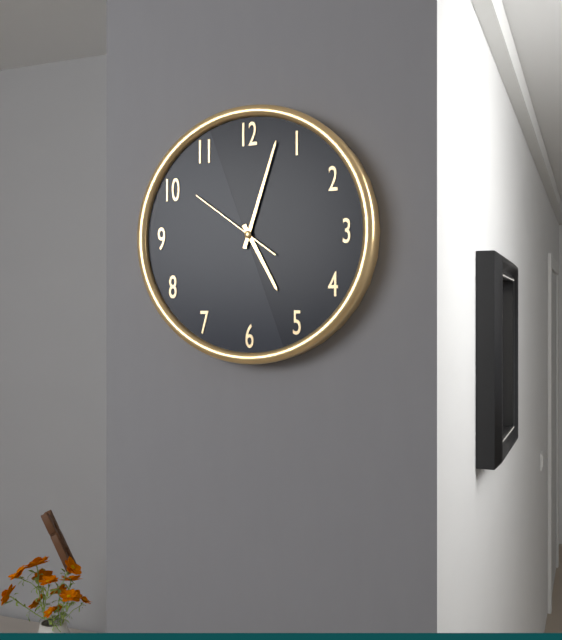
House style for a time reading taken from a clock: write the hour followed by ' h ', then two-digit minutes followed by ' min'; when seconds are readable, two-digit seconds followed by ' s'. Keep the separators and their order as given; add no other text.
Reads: 5 h 03 min 51 s
